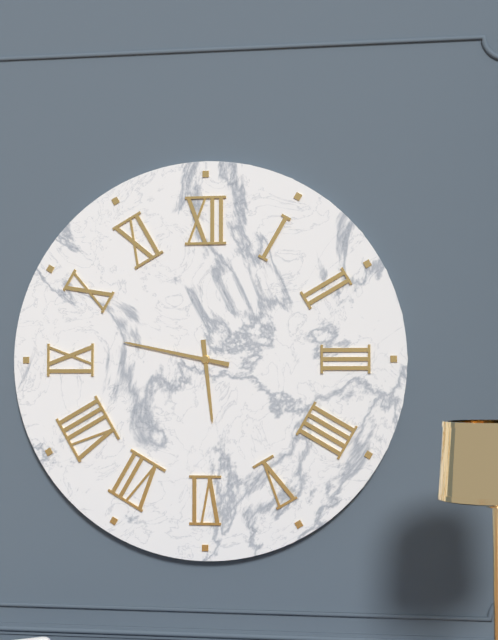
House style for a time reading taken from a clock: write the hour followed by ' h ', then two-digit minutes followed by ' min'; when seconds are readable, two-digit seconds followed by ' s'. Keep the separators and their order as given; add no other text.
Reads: 5 h 47 min
